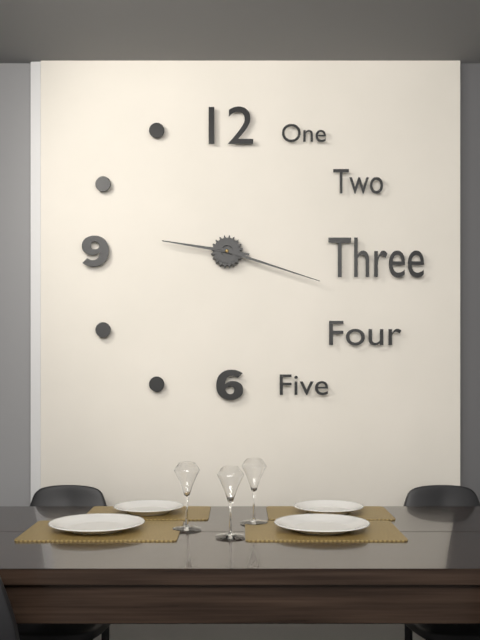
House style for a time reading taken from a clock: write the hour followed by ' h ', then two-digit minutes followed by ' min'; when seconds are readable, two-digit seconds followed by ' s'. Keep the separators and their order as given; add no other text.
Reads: 9 h 18 min
